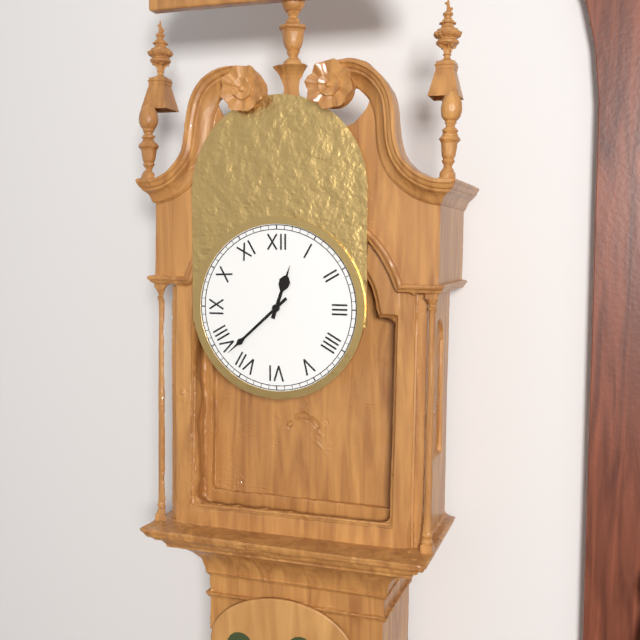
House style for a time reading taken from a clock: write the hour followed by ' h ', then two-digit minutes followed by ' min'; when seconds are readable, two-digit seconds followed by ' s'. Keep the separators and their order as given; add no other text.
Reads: 12 h 38 min
